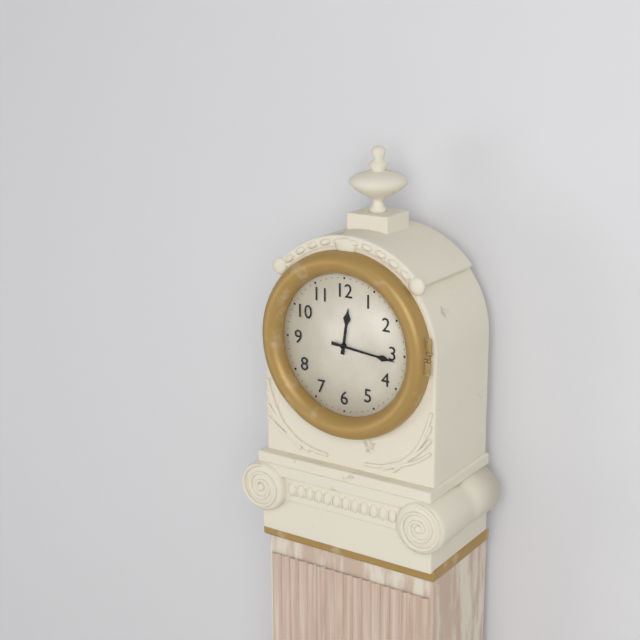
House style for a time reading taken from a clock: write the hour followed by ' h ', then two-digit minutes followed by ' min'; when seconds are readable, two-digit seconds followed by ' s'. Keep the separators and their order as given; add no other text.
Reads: 12 h 16 min
